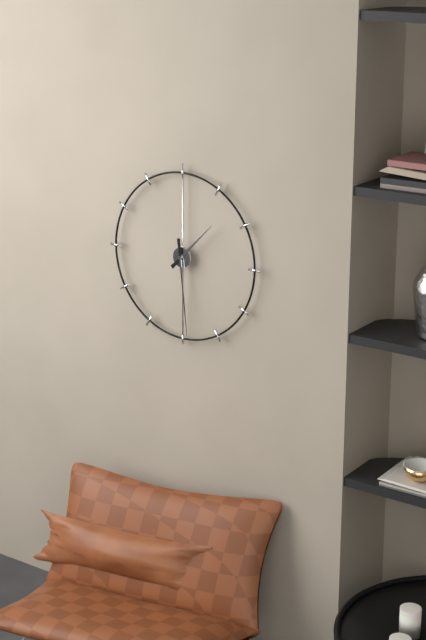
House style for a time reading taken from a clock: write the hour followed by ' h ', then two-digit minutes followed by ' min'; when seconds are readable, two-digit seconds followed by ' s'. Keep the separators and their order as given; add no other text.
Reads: 1 h 29 min
